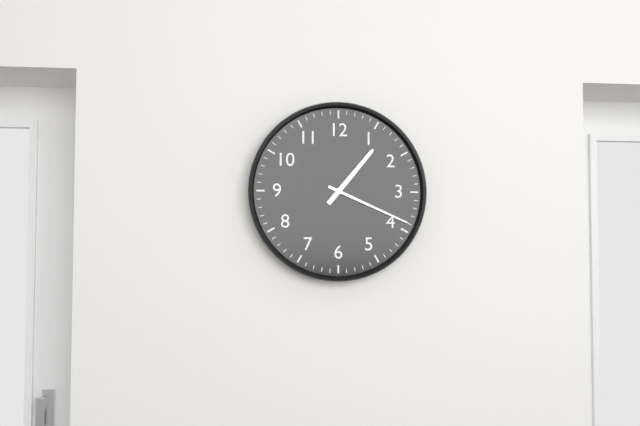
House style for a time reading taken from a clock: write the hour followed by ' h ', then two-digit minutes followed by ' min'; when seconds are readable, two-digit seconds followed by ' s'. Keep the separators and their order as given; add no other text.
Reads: 1 h 19 min
